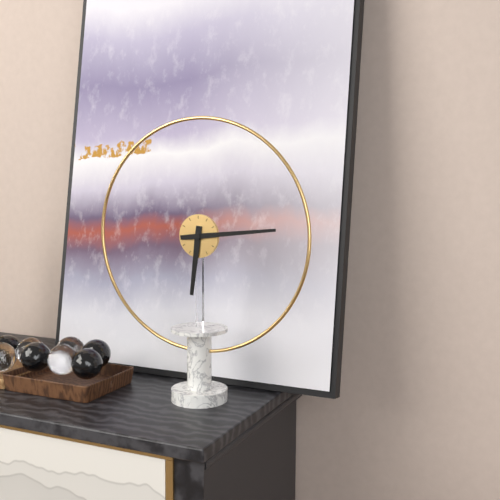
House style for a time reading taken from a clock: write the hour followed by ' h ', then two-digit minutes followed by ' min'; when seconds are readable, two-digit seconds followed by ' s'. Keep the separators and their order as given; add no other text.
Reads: 6 h 14 min
